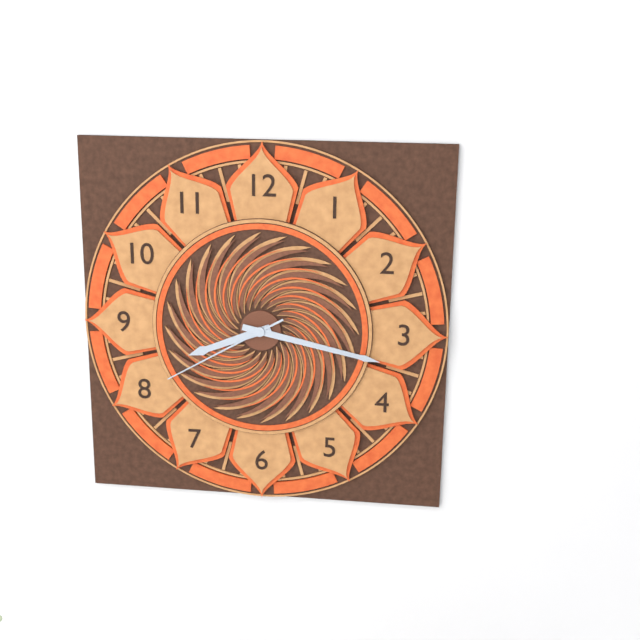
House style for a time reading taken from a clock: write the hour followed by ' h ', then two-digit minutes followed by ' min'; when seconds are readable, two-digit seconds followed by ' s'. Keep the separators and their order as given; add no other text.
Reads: 8 h 17 min 40 s
